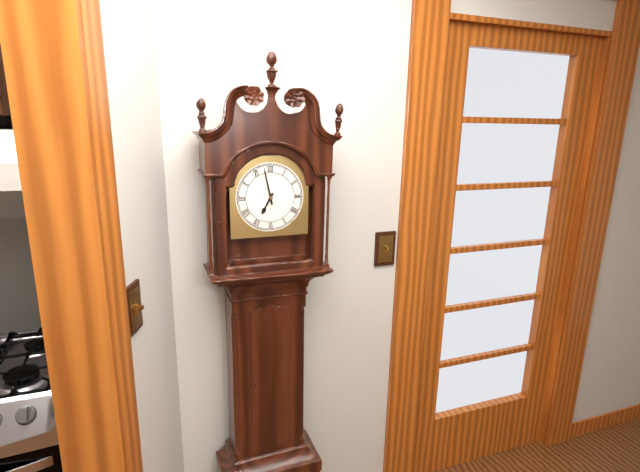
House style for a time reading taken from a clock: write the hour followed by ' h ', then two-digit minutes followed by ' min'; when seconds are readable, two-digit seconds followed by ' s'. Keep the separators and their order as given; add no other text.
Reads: 6 h 58 min
